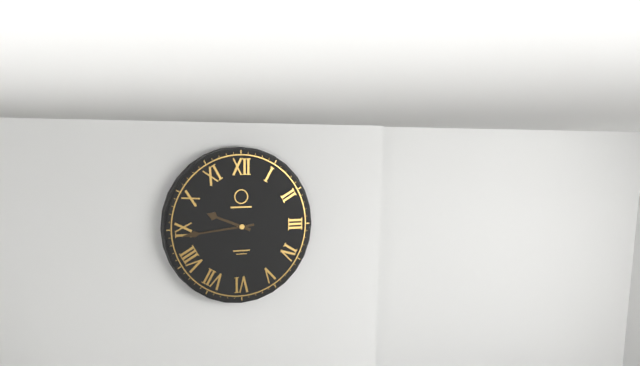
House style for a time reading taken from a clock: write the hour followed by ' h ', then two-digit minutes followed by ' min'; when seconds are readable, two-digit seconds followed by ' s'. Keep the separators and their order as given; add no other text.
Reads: 9 h 44 min
